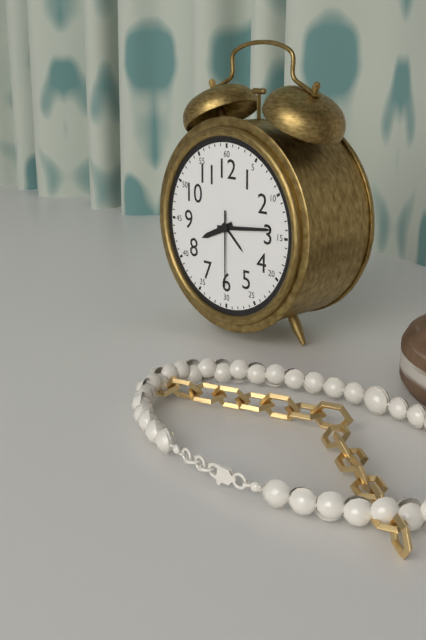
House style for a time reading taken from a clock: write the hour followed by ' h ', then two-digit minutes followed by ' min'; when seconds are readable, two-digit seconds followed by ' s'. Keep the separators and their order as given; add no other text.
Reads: 8 h 14 min 30 s
